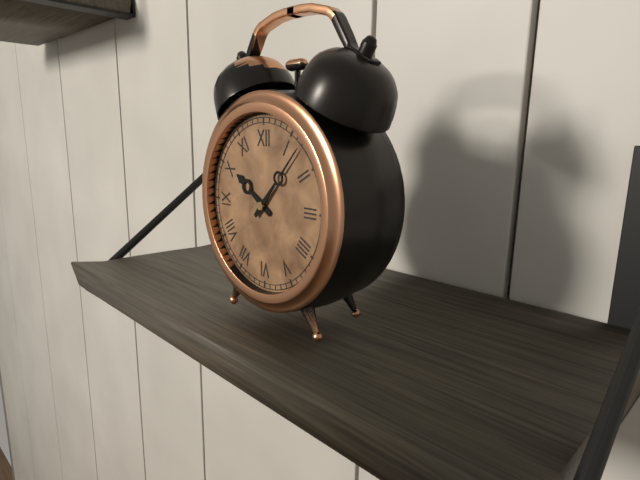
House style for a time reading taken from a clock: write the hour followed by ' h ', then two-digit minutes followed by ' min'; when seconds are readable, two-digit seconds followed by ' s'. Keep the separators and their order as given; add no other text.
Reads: 10 h 07 min
